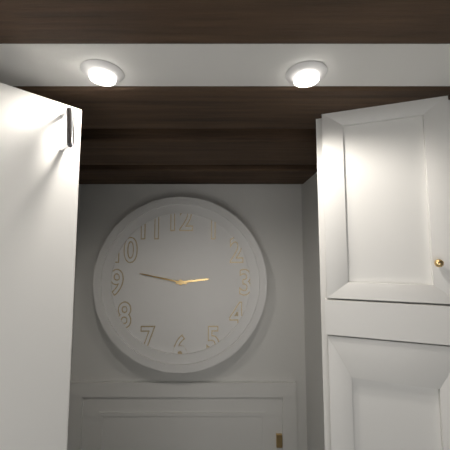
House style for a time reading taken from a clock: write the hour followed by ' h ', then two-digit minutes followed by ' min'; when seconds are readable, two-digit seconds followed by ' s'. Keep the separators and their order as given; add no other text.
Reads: 2 h 47 min
